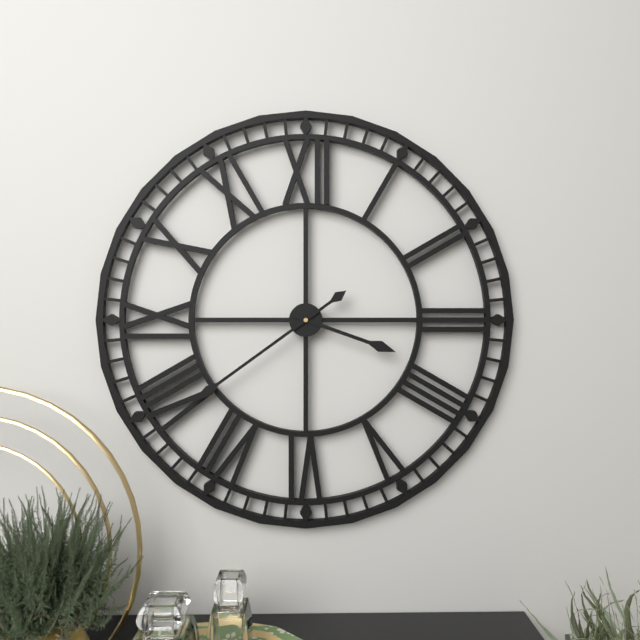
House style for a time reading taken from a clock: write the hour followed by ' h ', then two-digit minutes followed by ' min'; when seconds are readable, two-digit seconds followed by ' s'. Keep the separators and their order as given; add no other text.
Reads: 3 h 39 min
